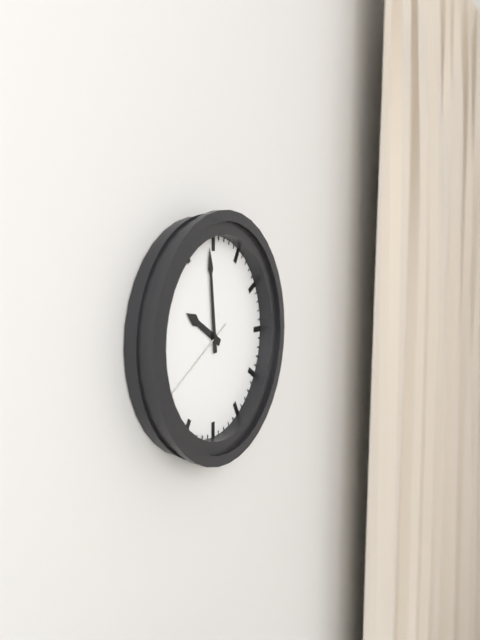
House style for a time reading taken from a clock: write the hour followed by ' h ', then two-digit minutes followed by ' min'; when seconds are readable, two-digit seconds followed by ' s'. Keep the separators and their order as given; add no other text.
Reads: 9 h 59 min 40 s
